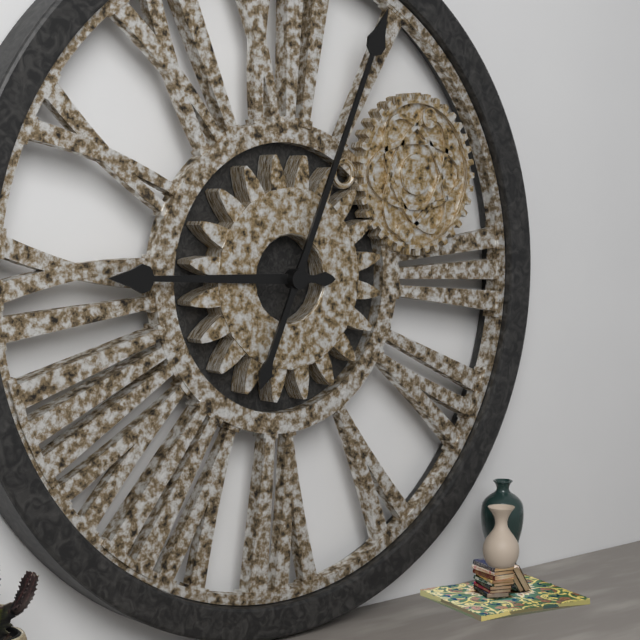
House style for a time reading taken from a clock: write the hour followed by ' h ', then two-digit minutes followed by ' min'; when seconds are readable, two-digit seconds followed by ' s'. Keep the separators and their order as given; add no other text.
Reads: 9 h 04 min
